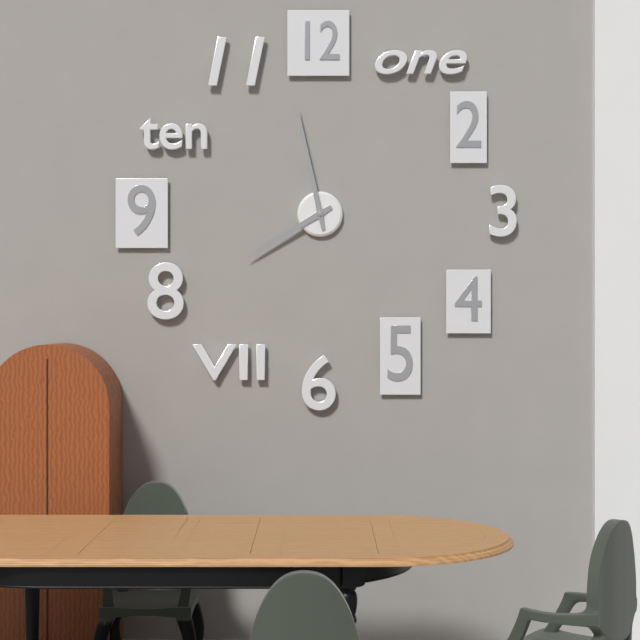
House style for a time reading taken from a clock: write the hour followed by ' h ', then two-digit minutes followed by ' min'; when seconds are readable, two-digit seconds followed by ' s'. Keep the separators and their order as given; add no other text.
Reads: 7 h 58 min
